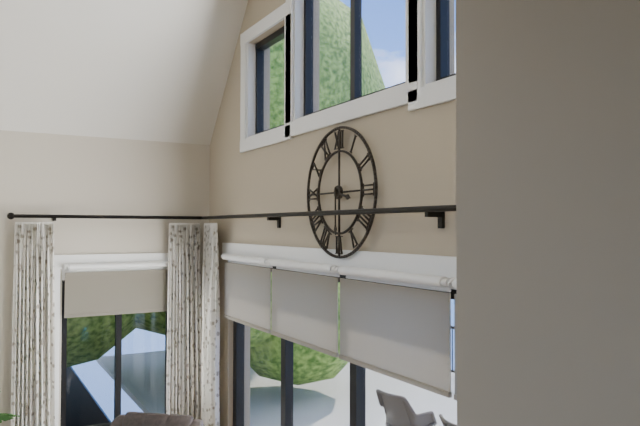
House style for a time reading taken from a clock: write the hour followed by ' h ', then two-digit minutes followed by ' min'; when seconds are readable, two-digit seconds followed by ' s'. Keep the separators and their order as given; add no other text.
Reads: 3 h 30 min
